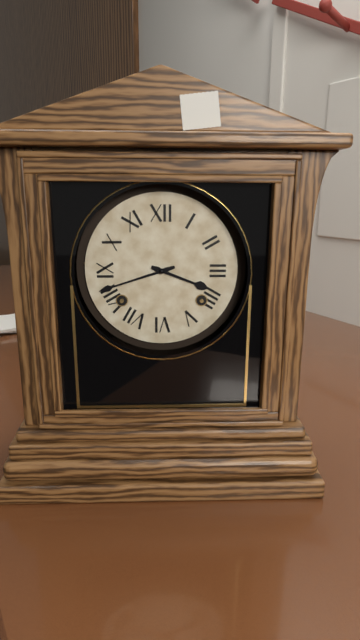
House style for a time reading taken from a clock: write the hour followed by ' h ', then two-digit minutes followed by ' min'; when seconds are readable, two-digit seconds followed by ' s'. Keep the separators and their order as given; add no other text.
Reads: 3 h 42 min
